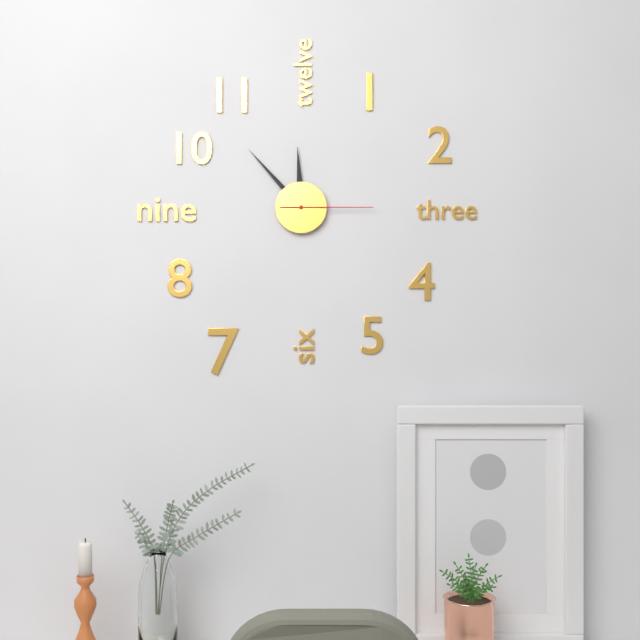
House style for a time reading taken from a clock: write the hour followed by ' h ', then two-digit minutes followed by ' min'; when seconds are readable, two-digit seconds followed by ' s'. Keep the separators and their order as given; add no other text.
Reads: 11 h 53 min 15 s
